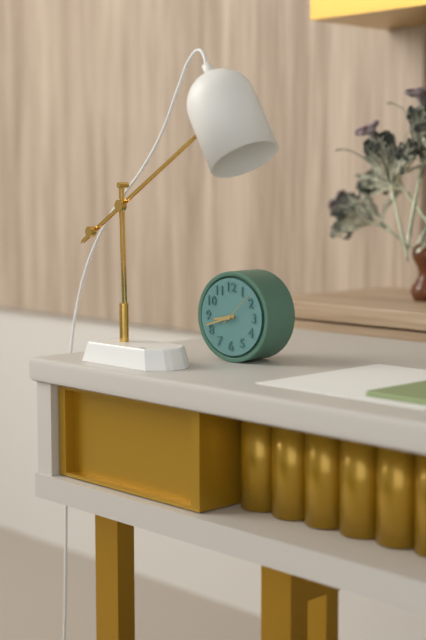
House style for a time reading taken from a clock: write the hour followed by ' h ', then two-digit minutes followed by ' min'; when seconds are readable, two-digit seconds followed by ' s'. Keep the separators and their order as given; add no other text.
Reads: 8 h 42 min
